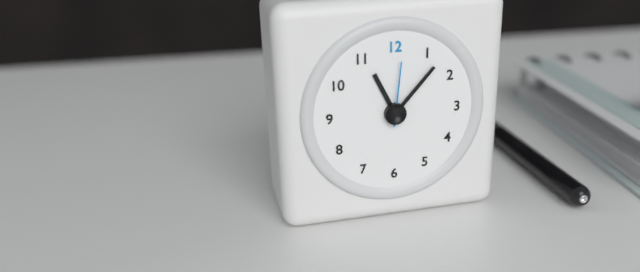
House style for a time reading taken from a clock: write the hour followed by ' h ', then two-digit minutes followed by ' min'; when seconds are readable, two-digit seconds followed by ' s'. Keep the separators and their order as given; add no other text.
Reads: 11 h 07 min 01 s
